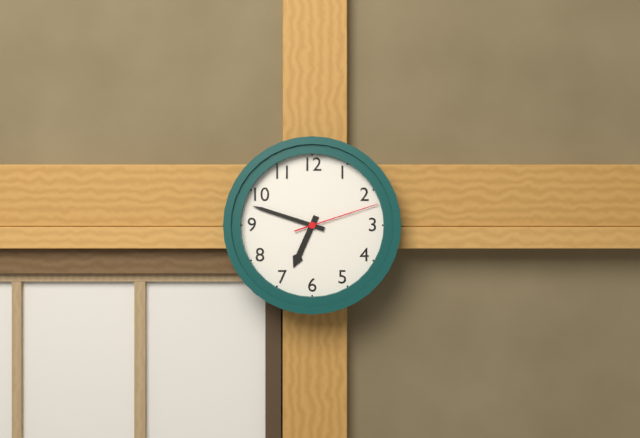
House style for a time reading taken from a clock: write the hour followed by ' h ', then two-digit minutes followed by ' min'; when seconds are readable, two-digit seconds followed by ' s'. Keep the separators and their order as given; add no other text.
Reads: 6 h 48 min 12 s
